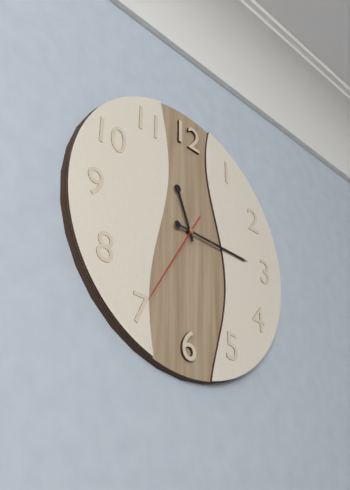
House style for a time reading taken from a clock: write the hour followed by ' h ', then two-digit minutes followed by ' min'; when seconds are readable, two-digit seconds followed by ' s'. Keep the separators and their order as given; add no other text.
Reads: 11 h 15 min 35 s
